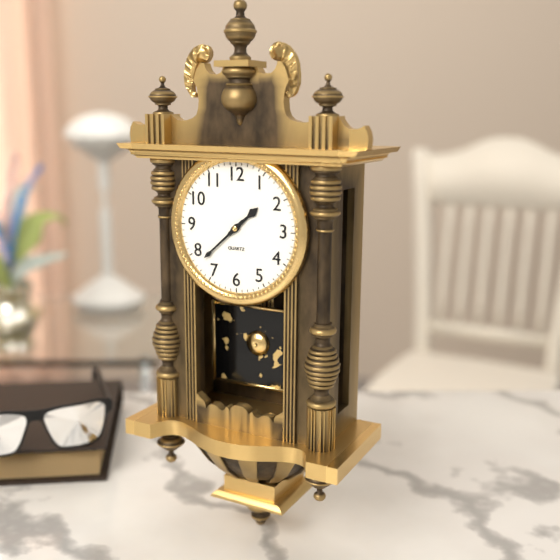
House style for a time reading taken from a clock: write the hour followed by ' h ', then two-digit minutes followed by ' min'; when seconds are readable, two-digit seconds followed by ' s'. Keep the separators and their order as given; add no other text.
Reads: 1 h 38 min
